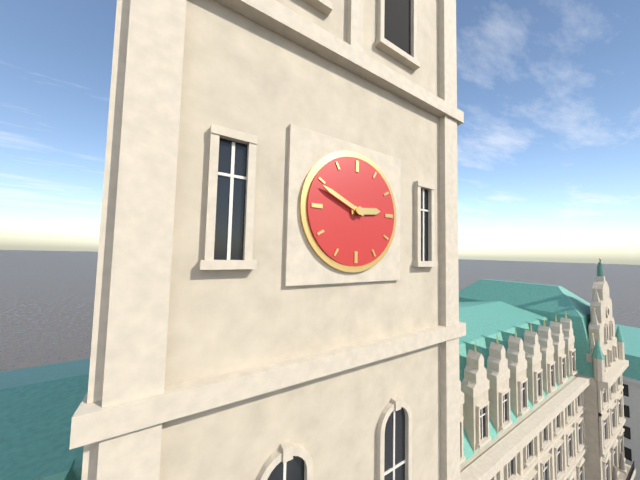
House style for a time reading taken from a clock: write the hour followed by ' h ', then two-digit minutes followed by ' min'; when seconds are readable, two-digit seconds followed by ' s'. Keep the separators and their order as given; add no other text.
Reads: 2 h 49 min
